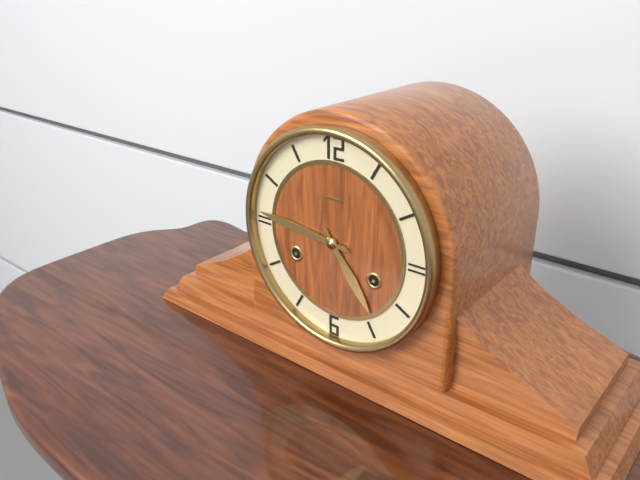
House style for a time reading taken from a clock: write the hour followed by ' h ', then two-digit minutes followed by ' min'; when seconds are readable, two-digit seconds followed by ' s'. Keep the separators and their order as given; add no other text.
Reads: 4 h 46 min
